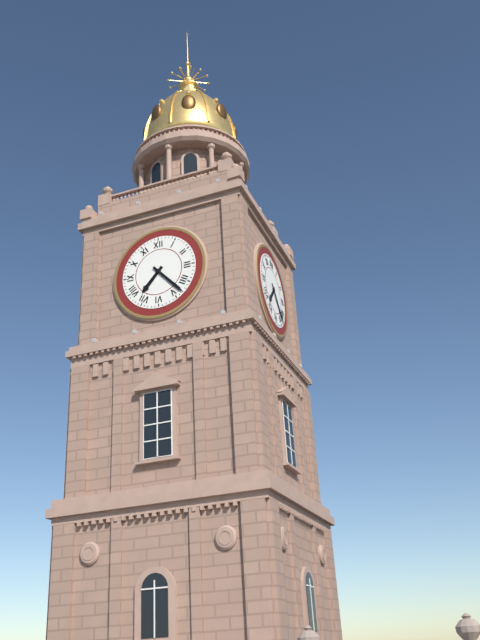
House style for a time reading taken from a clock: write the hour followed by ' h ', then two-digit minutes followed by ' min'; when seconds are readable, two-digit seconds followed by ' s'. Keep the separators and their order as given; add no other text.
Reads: 7 h 23 min
